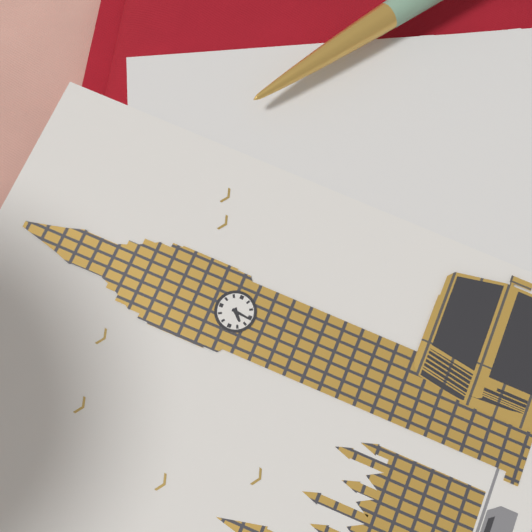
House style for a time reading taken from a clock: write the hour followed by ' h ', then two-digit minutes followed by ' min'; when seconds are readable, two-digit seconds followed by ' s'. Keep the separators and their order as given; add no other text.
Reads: 7 h 31 min
